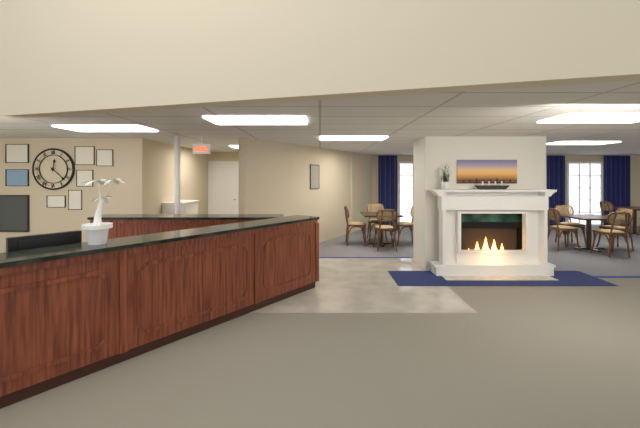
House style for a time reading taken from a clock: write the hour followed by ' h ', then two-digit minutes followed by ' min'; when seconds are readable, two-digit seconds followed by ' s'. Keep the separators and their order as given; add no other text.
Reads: 12 h 22 min
